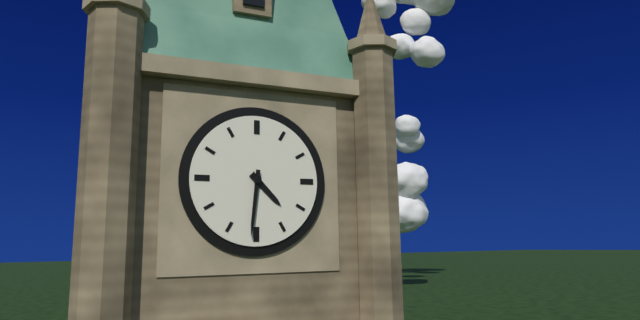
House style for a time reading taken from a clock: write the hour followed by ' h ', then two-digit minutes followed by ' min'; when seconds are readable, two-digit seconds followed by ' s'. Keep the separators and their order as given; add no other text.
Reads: 4 h 31 min
